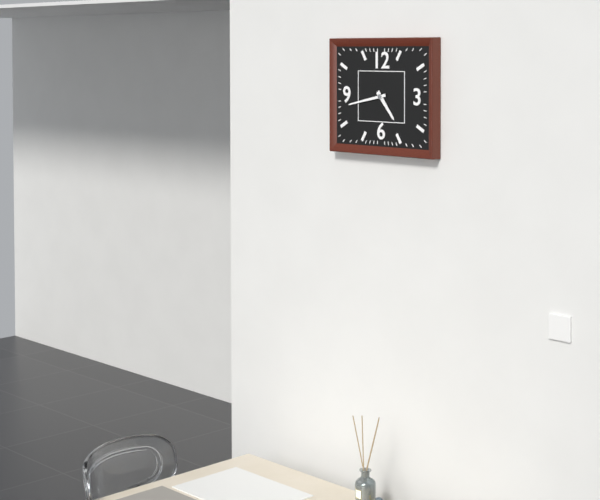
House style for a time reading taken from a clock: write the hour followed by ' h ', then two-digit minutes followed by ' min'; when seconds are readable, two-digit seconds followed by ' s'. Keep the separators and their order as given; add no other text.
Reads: 4 h 43 min
